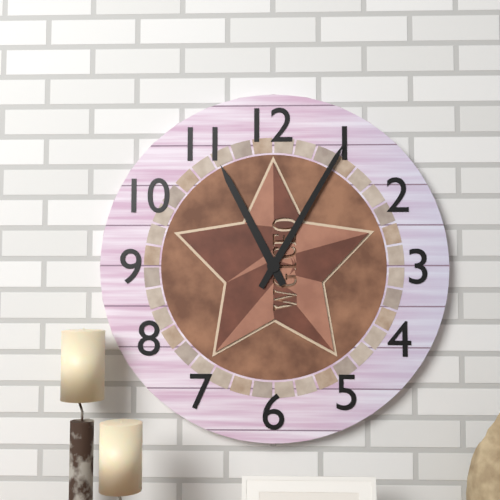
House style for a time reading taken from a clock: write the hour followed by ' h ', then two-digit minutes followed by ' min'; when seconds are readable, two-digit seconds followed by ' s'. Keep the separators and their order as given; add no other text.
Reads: 11 h 05 min
